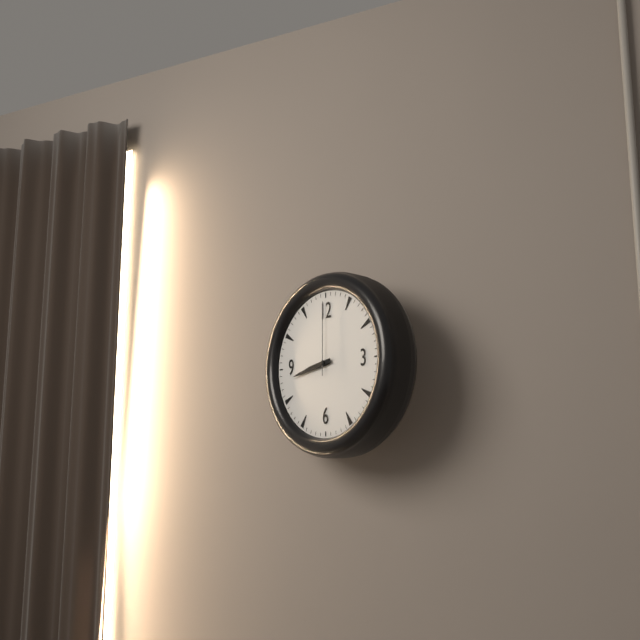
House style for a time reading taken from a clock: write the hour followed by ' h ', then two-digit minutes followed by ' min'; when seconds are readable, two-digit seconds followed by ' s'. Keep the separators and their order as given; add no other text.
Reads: 8 h 43 min 00 s
